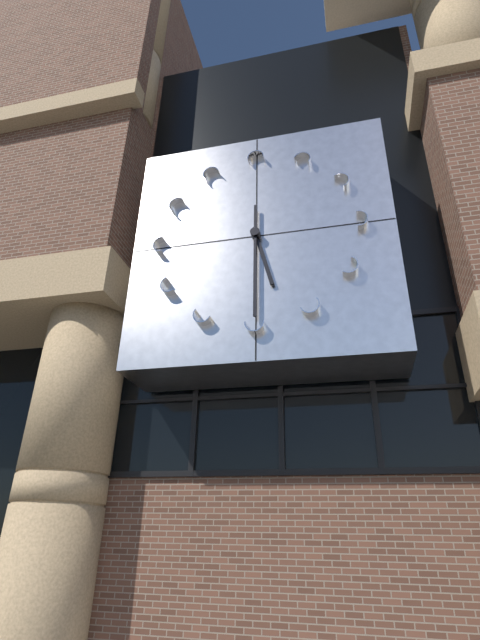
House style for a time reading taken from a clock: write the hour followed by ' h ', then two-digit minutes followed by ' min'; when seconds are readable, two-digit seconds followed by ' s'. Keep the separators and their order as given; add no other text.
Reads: 5 h 30 min
